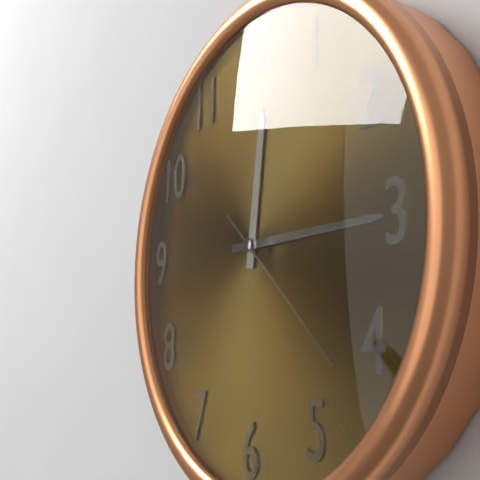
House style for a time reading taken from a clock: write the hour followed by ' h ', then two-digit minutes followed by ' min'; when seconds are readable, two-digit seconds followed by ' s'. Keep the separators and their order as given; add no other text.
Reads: 12 h 15 min 22 s
